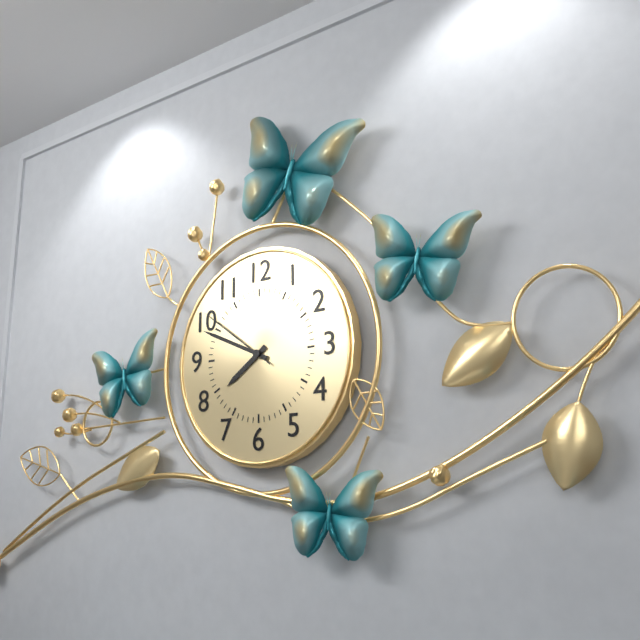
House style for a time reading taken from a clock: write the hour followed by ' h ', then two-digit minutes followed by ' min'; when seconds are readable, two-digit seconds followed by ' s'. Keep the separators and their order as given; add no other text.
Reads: 7 h 49 min 51 s
